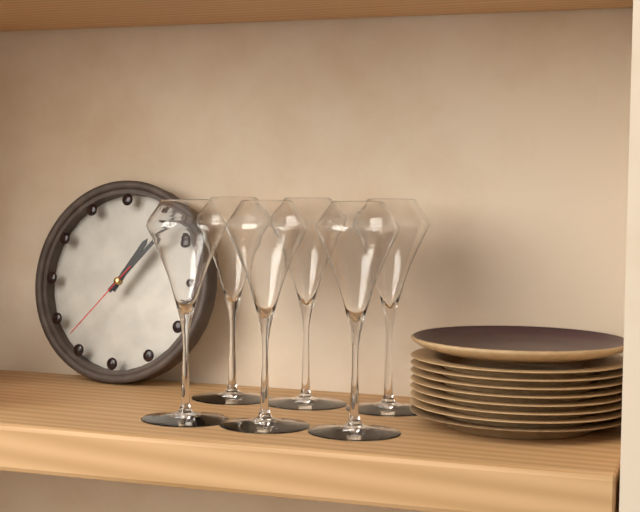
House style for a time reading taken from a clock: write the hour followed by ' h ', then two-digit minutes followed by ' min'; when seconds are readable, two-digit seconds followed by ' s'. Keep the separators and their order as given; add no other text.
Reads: 1 h 07 min 37 s
